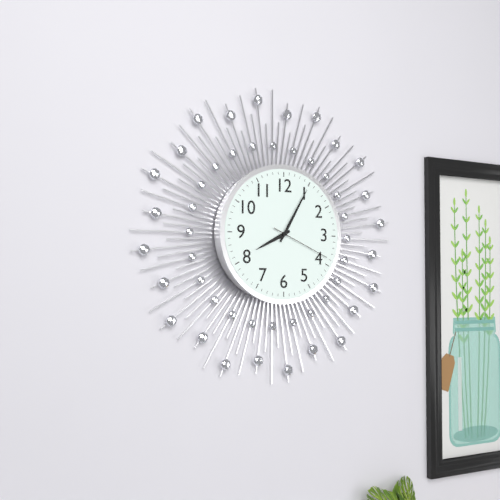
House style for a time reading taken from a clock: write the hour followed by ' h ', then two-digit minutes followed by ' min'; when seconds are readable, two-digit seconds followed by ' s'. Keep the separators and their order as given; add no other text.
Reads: 8 h 05 min 19 s
